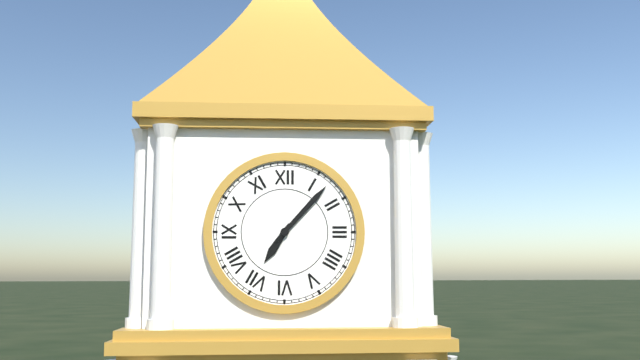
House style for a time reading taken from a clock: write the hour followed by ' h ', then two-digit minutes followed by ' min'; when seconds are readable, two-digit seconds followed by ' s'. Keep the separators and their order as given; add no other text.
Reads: 7 h 07 min
